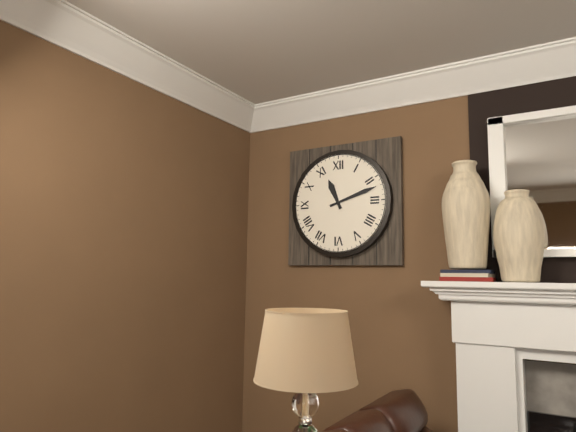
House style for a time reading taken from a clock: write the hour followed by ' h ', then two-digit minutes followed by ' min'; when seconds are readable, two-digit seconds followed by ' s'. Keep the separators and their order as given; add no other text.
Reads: 11 h 12 min
